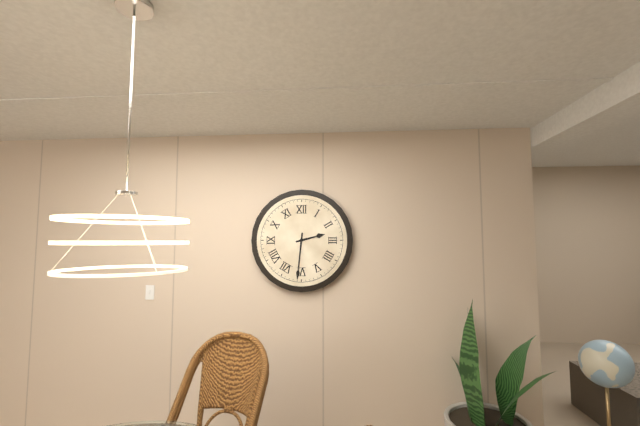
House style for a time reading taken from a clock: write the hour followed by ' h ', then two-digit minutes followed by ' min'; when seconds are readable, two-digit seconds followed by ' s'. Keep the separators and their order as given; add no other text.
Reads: 2 h 31 min
